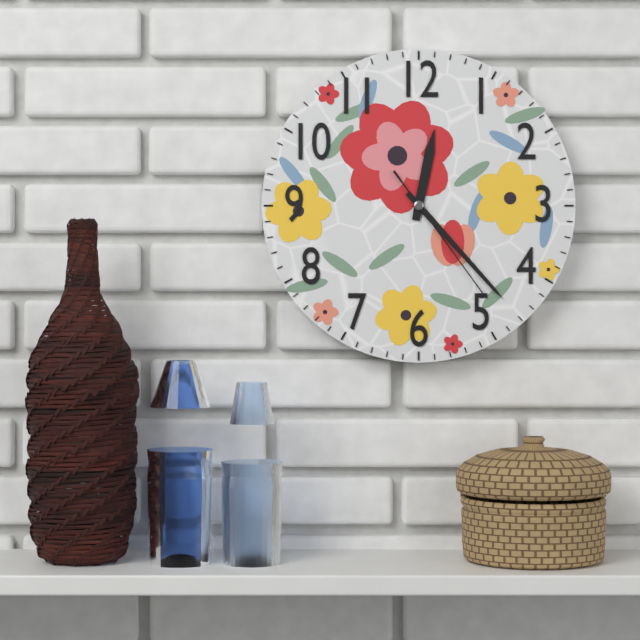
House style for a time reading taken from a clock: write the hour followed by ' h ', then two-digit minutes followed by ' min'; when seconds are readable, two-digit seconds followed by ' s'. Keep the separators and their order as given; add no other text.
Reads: 12 h 23 min 24 s
